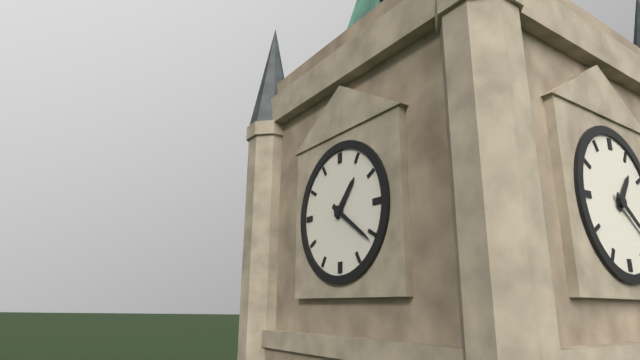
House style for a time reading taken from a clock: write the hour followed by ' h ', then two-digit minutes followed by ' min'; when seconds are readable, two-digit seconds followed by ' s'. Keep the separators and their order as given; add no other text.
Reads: 1 h 21 min
